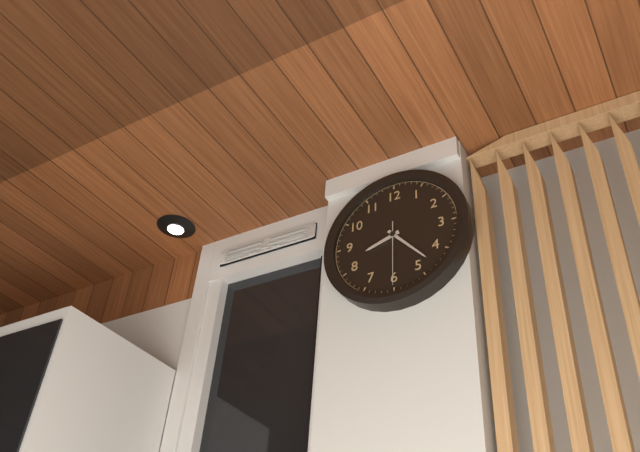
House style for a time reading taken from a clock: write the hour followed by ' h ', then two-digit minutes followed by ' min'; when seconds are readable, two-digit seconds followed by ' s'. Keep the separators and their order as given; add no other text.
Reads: 8 h 23 min 30 s
